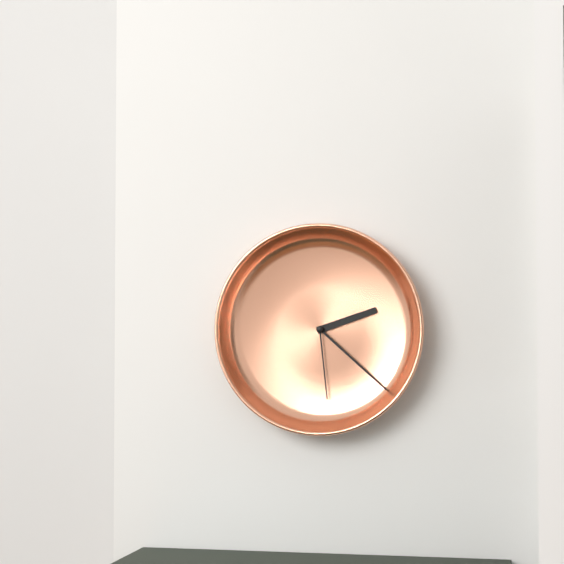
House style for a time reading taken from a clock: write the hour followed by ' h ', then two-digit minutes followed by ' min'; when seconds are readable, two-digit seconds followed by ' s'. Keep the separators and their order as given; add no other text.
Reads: 2 h 22 min 29 s
